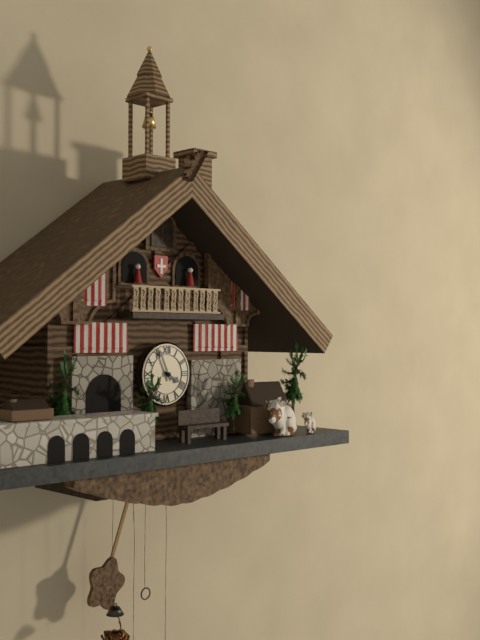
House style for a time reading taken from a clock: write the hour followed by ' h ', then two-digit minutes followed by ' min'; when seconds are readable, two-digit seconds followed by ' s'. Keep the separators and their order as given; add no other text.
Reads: 3 h 56 min
